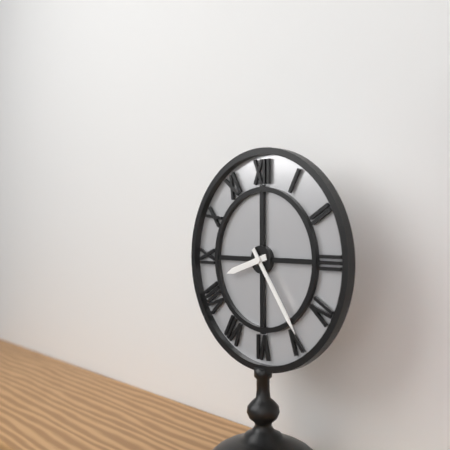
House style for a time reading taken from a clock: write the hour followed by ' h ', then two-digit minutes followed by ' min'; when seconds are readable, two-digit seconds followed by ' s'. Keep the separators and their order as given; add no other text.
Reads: 8 h 24 min
